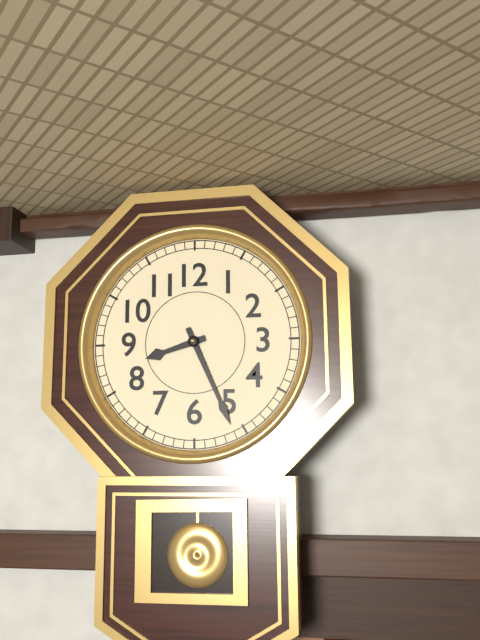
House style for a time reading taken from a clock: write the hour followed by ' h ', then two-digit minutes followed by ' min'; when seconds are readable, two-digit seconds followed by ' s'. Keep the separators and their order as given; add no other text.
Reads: 8 h 26 min
